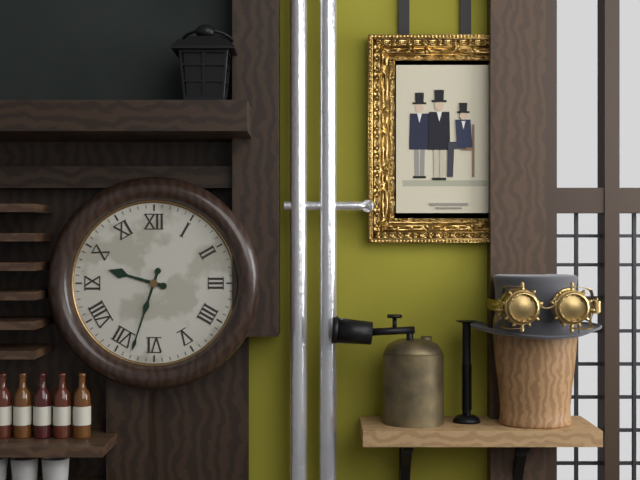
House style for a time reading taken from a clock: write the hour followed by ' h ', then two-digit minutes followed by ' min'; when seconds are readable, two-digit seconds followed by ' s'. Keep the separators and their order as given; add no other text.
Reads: 9 h 33 min
